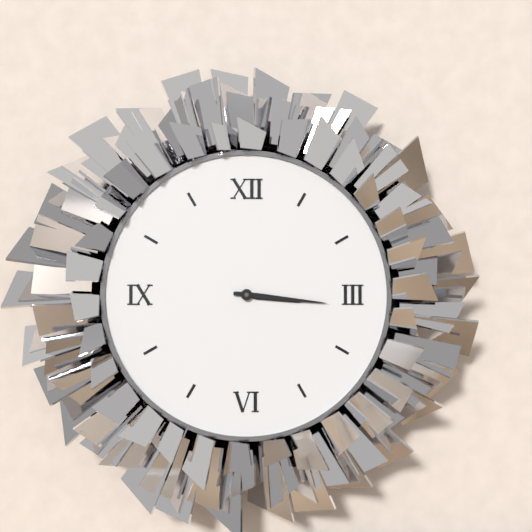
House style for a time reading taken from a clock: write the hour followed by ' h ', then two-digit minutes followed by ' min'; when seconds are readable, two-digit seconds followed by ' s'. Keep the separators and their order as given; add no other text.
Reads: 3 h 16 min
